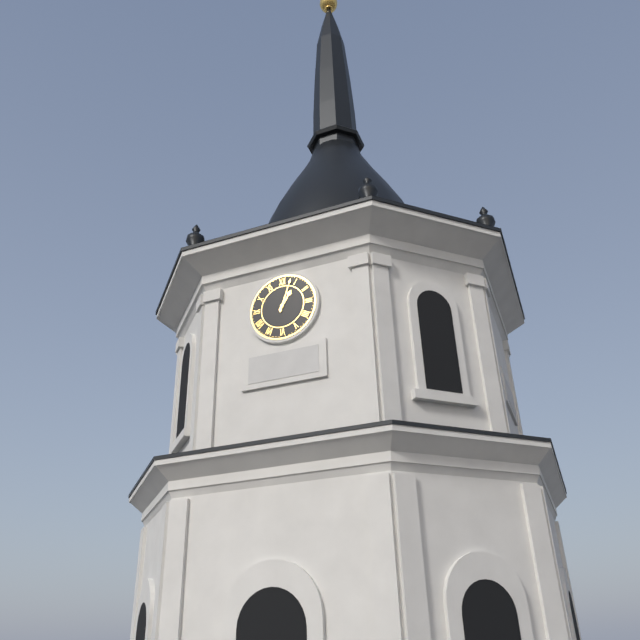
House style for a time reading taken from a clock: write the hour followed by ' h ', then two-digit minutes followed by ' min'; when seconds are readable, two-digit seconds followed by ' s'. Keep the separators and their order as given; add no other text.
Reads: 1 h 03 min
